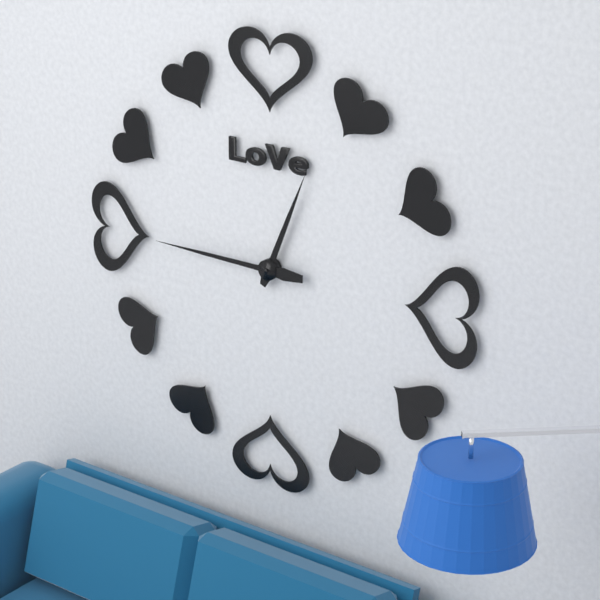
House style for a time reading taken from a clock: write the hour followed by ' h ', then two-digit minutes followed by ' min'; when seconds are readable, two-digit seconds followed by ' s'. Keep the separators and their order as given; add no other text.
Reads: 12 h 45 min
